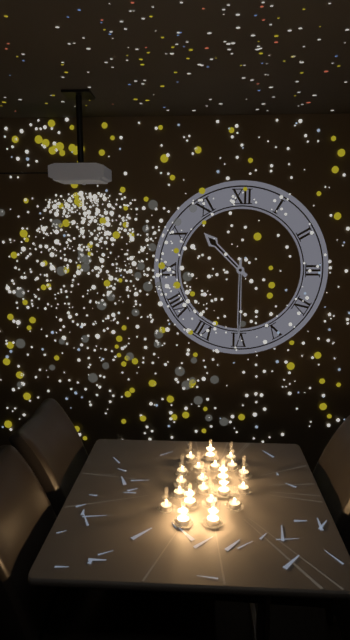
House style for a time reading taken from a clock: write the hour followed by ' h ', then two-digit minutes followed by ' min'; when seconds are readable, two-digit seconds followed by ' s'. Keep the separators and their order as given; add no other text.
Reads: 10 h 30 min
